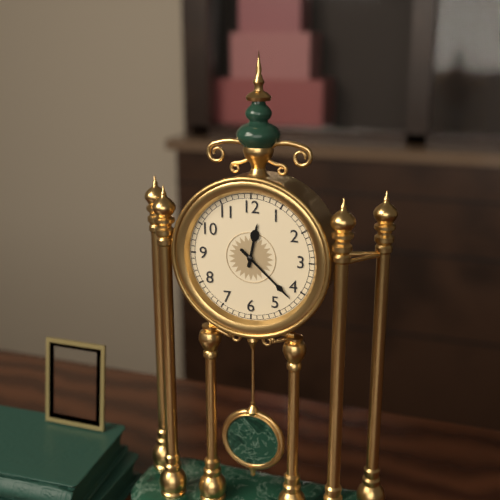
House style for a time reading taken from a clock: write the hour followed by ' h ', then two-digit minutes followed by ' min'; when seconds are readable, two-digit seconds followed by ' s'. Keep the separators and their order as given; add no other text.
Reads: 12 h 22 min
